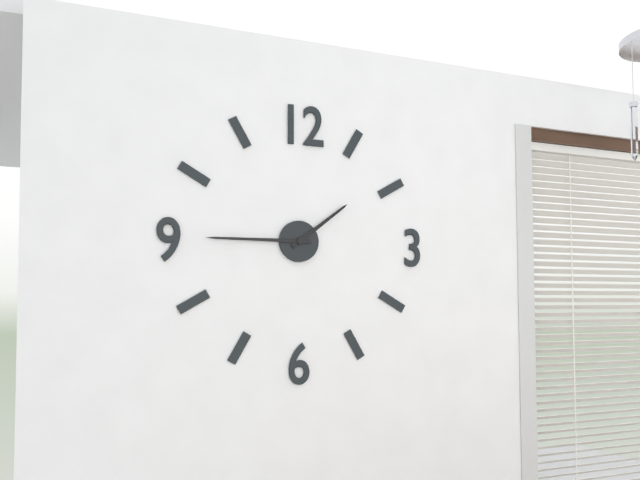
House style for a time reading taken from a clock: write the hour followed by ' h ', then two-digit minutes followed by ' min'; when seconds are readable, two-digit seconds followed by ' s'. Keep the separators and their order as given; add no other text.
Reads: 1 h 45 min
